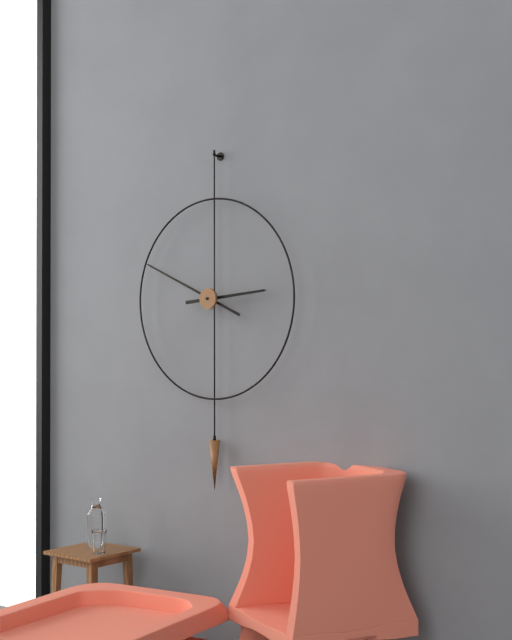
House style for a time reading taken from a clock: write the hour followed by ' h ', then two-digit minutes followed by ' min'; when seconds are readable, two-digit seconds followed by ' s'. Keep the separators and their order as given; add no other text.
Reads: 2 h 49 min
